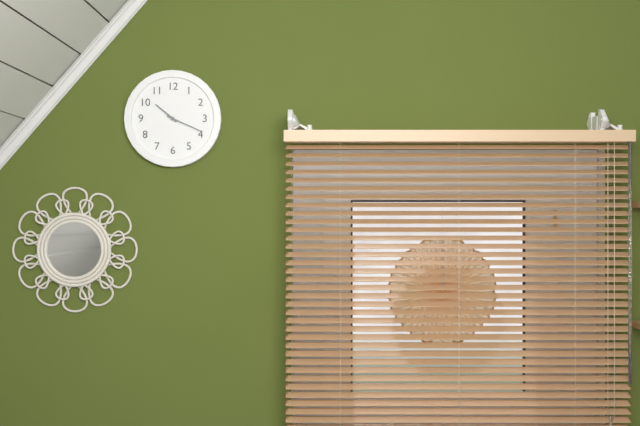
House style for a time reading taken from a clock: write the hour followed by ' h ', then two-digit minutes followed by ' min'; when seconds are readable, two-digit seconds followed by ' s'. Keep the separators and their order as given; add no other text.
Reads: 10 h 19 min
